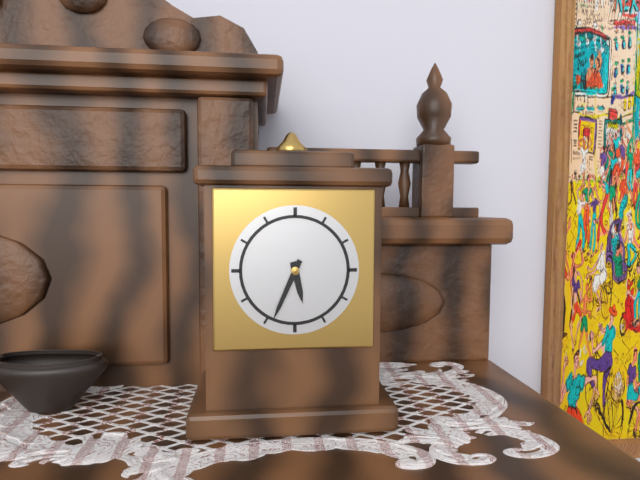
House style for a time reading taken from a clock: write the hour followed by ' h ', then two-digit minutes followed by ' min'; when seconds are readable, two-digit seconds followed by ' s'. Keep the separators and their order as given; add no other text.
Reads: 5 h 34 min
